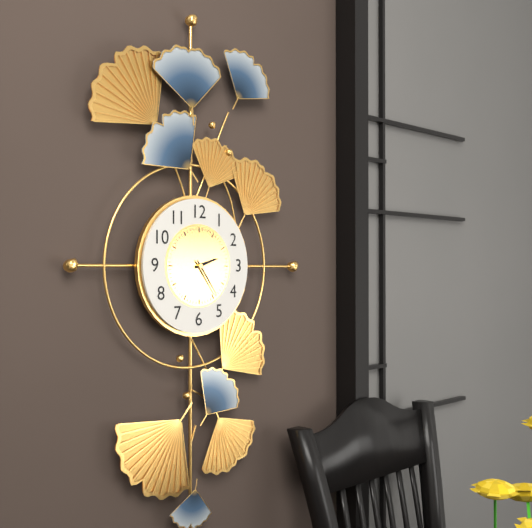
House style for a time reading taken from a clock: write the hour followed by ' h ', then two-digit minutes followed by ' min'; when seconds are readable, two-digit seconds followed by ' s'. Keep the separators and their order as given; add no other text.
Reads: 2 h 24 min
